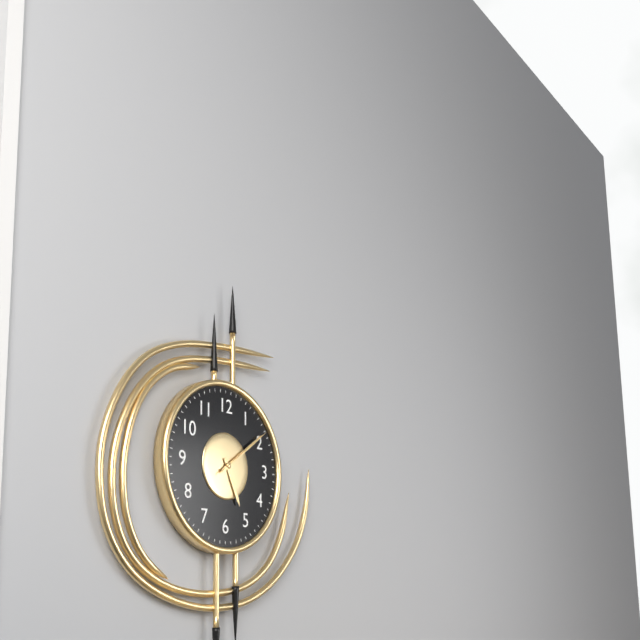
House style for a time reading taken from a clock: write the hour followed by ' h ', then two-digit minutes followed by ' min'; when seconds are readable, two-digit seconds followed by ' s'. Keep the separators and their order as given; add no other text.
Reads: 5 h 09 min 09 s
